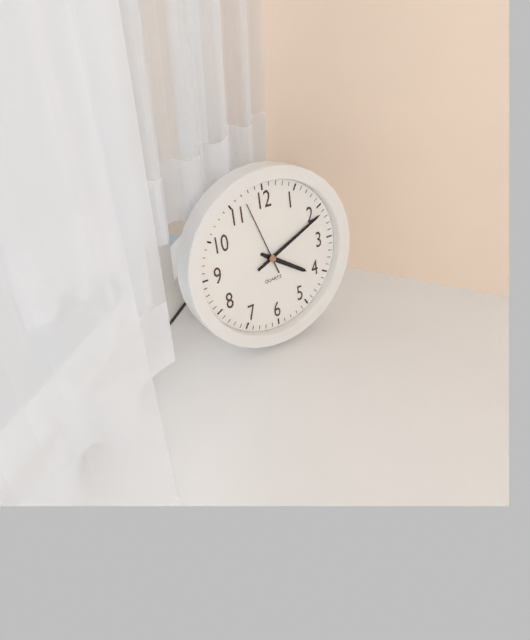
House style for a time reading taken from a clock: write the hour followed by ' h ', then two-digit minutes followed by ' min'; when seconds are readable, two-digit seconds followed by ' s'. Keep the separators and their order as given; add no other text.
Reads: 4 h 11 min 57 s
